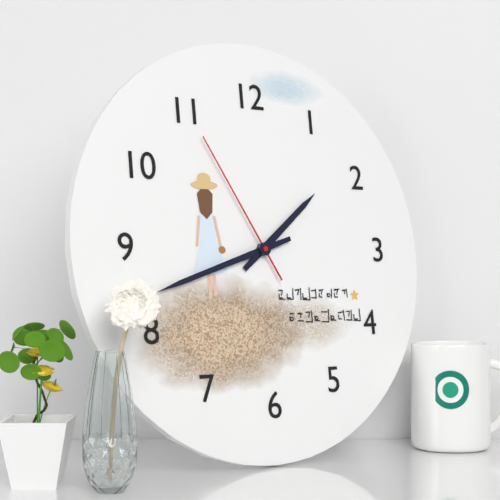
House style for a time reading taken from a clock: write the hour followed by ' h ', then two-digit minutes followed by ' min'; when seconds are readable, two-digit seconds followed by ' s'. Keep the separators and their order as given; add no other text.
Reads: 1 h 42 min 55 s
